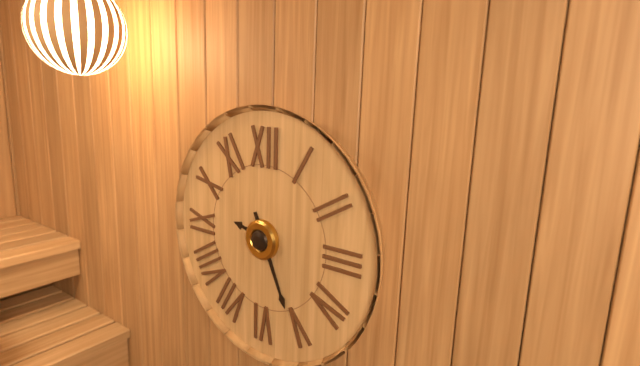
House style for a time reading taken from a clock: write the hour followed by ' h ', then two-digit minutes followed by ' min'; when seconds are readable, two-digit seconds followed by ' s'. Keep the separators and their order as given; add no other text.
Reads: 9 h 26 min
